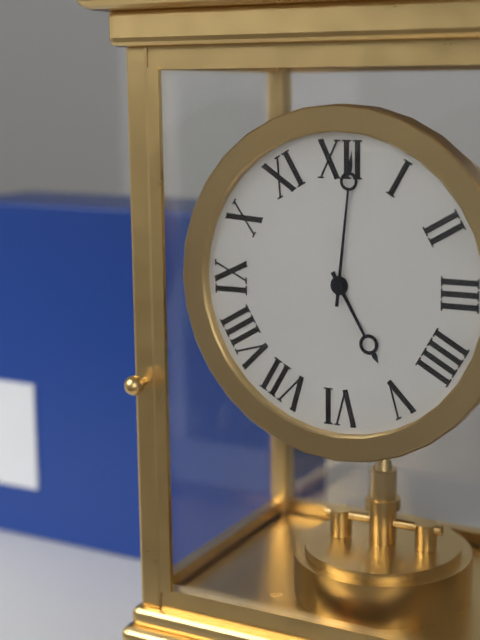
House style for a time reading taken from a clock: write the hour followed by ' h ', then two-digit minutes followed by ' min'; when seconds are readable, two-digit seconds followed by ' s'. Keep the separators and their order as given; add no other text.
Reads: 5 h 01 min
